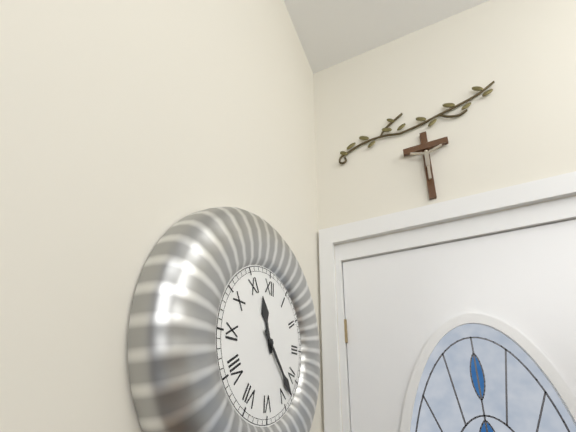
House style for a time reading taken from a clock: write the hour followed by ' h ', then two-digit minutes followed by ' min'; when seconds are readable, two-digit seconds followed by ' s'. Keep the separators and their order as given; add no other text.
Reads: 11 h 23 min
